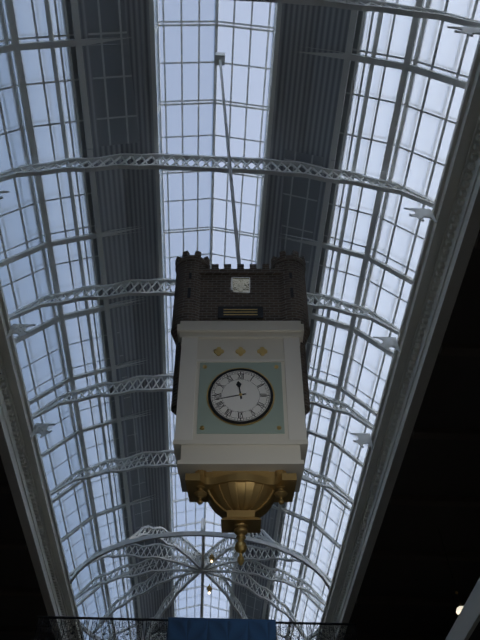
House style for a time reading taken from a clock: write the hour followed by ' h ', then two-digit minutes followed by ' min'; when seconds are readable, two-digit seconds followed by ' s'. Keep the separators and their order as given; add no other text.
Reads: 11 h 43 min
